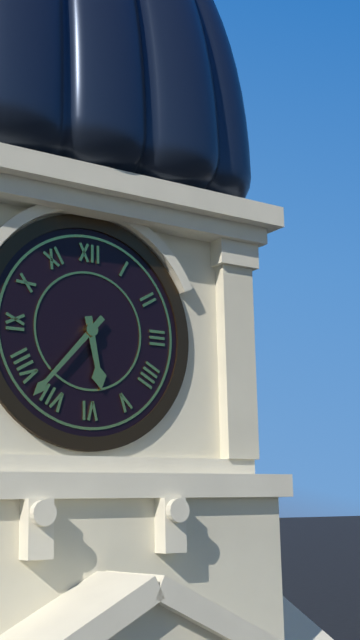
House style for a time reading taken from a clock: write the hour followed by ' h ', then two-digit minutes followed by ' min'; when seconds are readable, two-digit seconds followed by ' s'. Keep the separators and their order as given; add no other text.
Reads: 5 h 37 min
